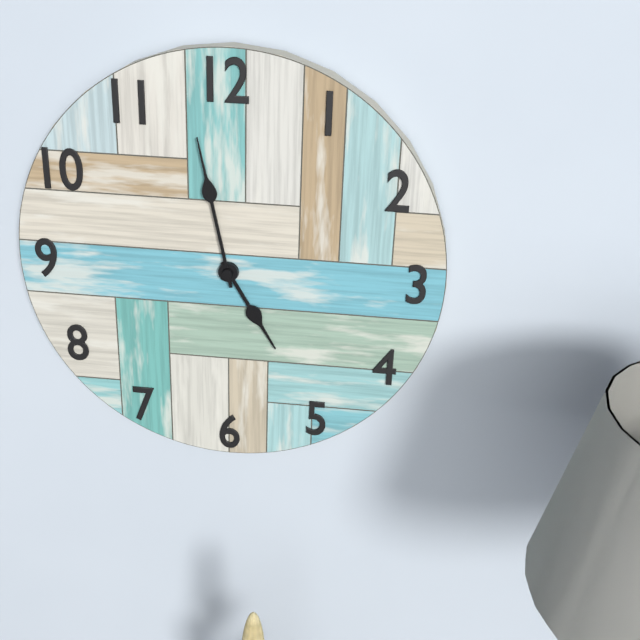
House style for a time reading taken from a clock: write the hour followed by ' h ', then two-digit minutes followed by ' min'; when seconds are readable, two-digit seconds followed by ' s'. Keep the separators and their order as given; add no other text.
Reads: 4 h 58 min
